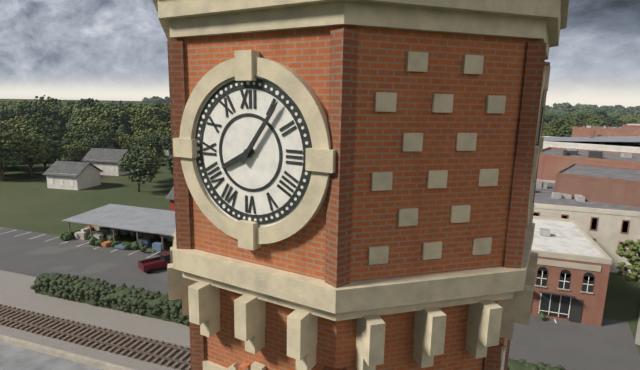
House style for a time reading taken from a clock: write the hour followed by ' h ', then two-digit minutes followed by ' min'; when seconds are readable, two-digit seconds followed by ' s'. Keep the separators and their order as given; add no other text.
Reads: 8 h 06 min
